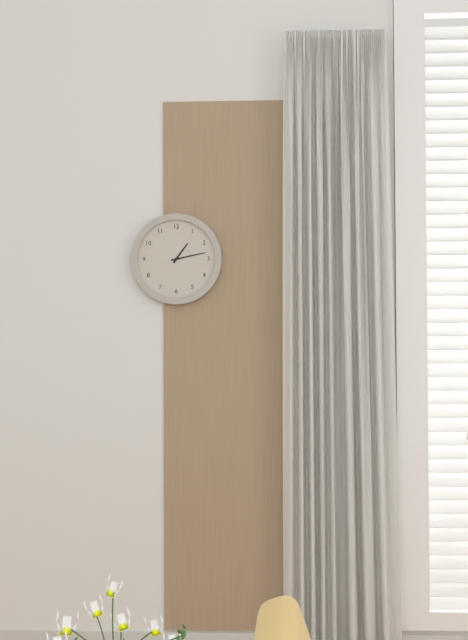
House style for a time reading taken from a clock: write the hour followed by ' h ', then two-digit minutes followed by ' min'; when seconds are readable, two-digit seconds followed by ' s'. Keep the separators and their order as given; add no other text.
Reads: 1 h 13 min
